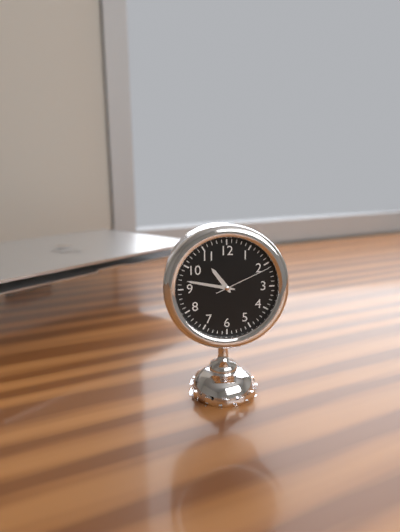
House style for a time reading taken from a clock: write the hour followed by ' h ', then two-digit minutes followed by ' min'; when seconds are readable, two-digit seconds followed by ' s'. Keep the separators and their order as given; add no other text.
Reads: 10 h 47 min 11 s
